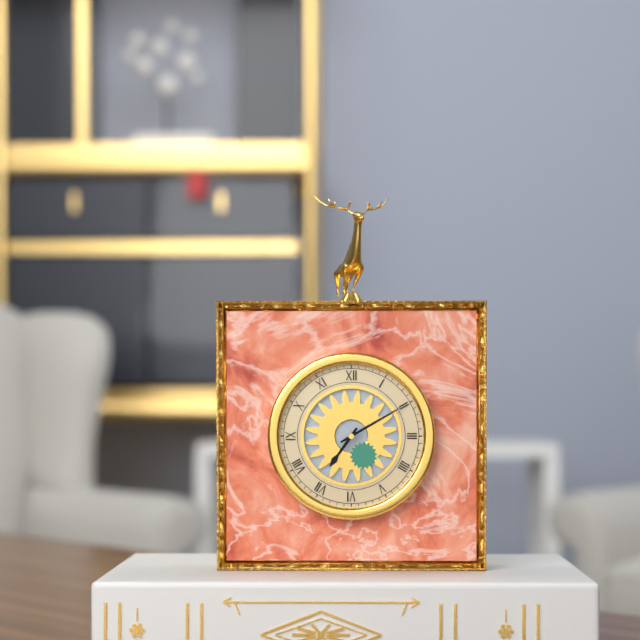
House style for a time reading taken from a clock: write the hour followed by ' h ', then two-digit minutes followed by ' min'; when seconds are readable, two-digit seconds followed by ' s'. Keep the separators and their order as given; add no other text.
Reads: 7 h 10 min
